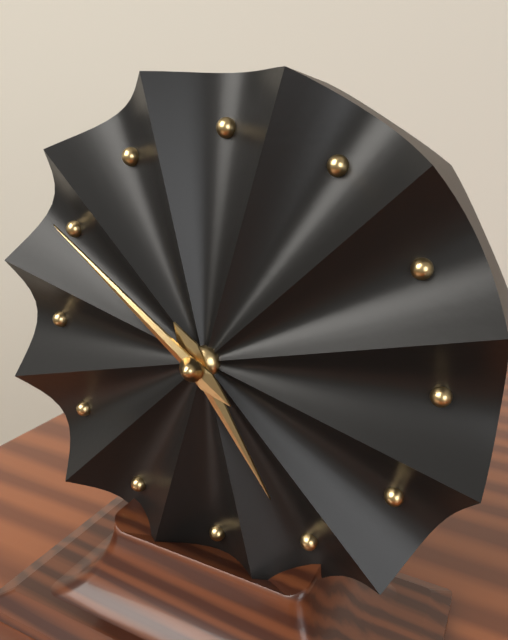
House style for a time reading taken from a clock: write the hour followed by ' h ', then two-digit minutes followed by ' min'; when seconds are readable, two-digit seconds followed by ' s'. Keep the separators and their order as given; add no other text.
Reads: 4 h 51 min
